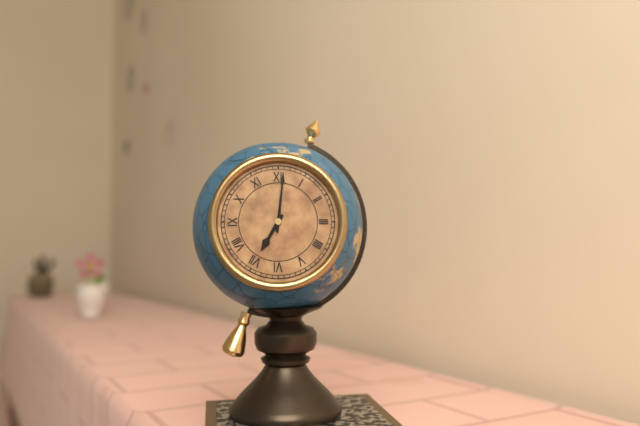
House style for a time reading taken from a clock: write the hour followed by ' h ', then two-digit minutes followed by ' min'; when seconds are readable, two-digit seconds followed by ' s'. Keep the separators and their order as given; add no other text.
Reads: 7 h 01 min
